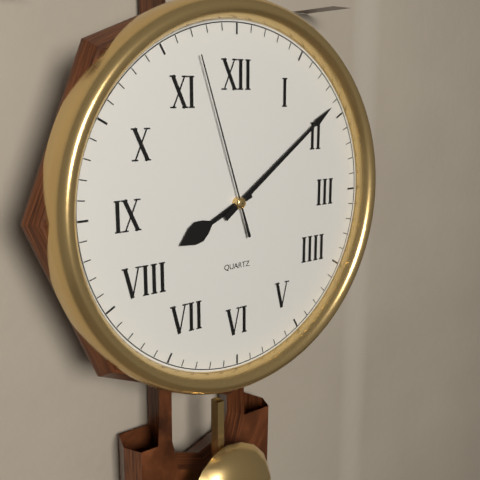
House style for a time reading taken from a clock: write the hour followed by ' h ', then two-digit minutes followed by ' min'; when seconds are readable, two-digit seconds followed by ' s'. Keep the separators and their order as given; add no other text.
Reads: 8 h 09 min 57 s
